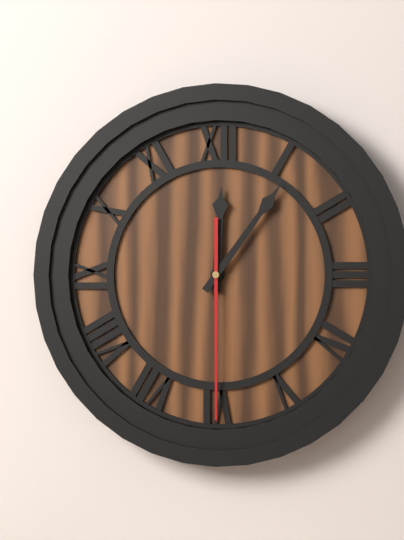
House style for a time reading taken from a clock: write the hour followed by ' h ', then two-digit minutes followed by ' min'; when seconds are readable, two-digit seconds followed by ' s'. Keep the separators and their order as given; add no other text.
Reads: 12 h 06 min 30 s
